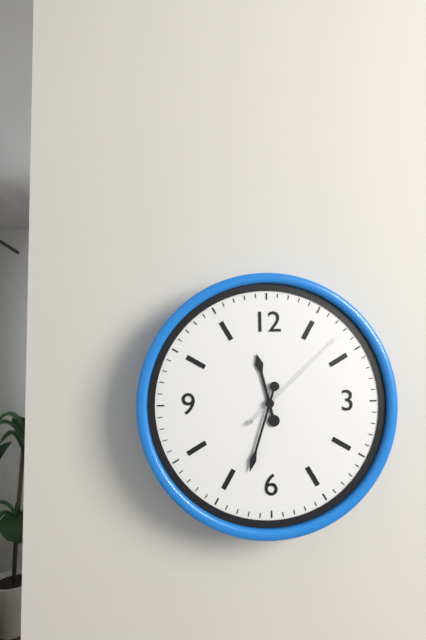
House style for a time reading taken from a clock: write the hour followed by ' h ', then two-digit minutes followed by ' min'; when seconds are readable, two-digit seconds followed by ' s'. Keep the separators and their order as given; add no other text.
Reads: 11 h 33 min 08 s
